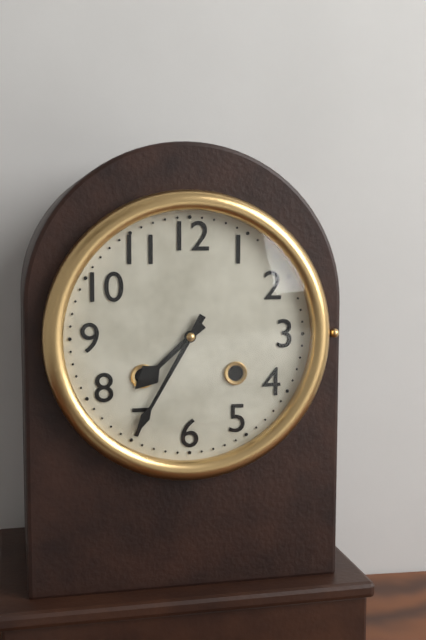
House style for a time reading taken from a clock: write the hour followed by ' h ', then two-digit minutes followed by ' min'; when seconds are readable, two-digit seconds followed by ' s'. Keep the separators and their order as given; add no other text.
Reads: 7 h 35 min
